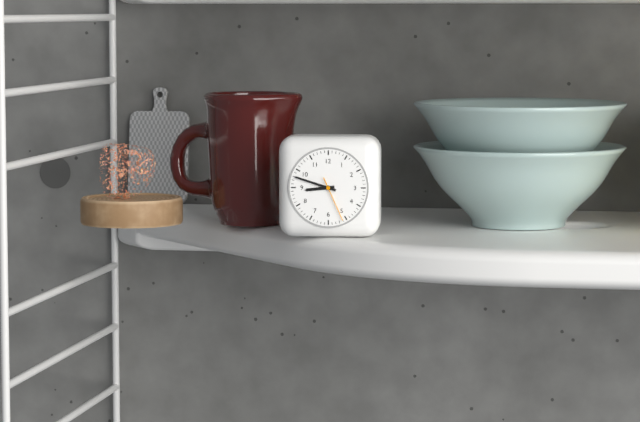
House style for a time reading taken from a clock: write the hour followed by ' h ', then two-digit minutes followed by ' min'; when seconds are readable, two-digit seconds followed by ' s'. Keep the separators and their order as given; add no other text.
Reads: 8 h 48 min
